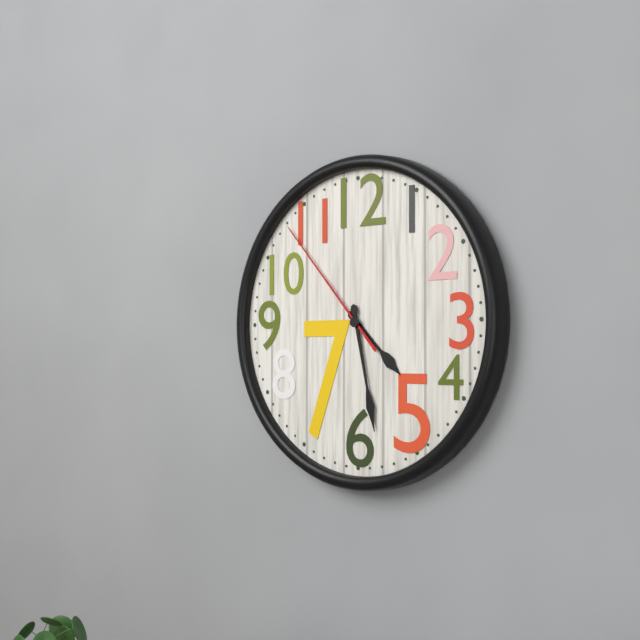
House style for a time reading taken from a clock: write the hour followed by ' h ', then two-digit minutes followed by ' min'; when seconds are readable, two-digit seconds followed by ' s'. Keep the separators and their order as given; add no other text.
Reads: 4 h 28 min 53 s
